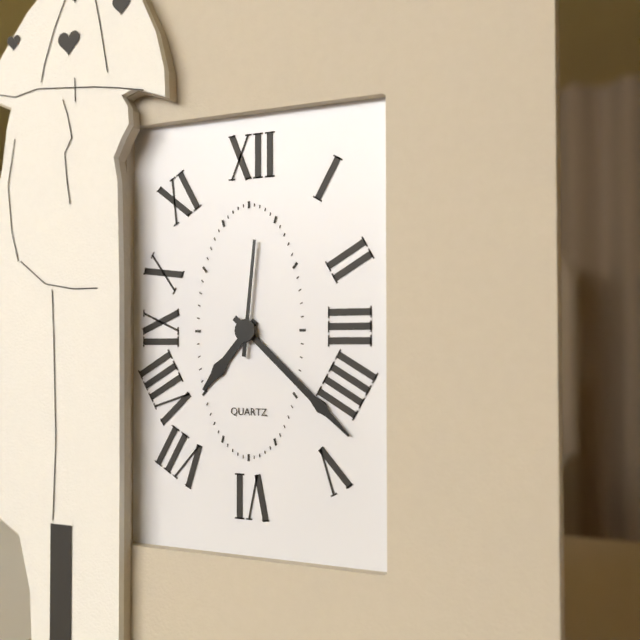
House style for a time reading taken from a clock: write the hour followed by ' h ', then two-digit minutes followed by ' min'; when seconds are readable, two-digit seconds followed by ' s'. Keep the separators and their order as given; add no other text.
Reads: 7 h 22 min 01 s
